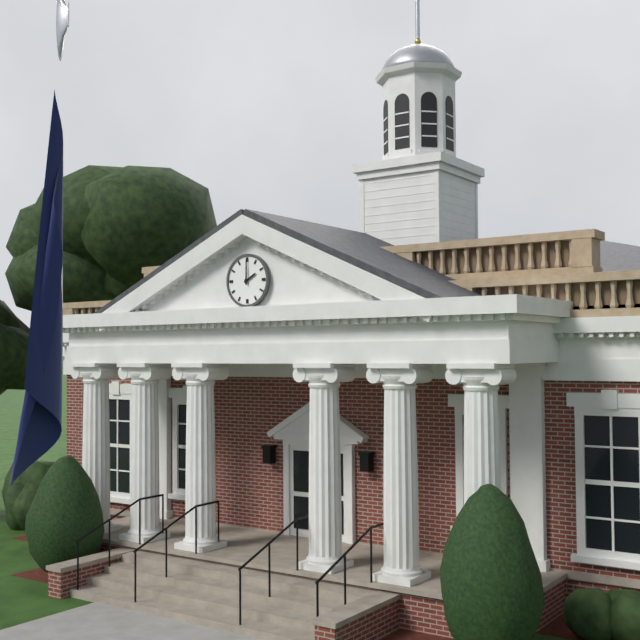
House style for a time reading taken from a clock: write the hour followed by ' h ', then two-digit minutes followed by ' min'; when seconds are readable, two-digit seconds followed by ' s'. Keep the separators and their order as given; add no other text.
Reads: 2 h 00 min
